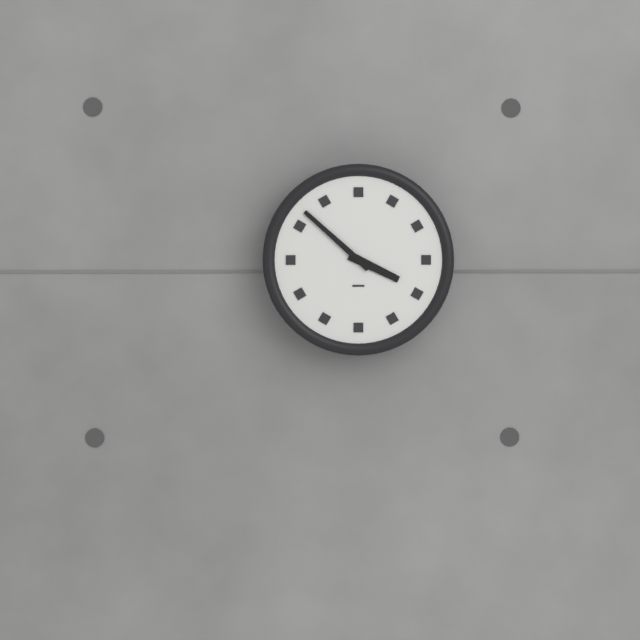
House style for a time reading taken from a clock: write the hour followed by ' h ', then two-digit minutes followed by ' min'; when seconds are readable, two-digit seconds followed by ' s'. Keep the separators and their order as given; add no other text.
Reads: 3 h 52 min
